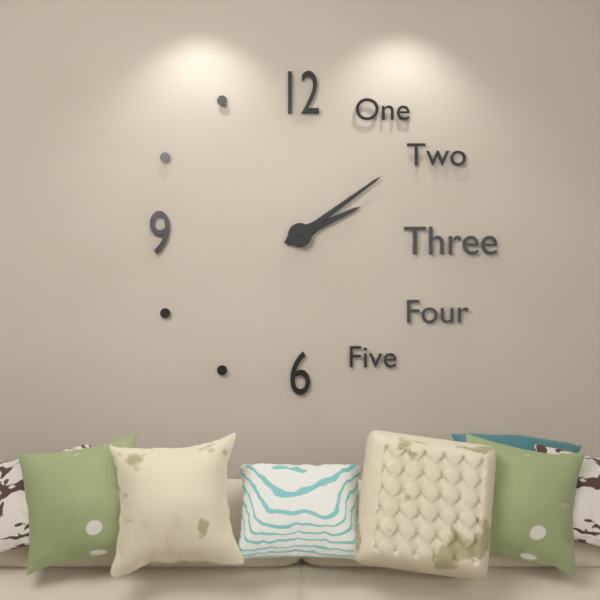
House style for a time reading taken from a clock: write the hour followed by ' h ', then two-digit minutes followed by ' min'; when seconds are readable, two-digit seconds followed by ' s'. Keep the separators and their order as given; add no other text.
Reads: 2 h 09 min
